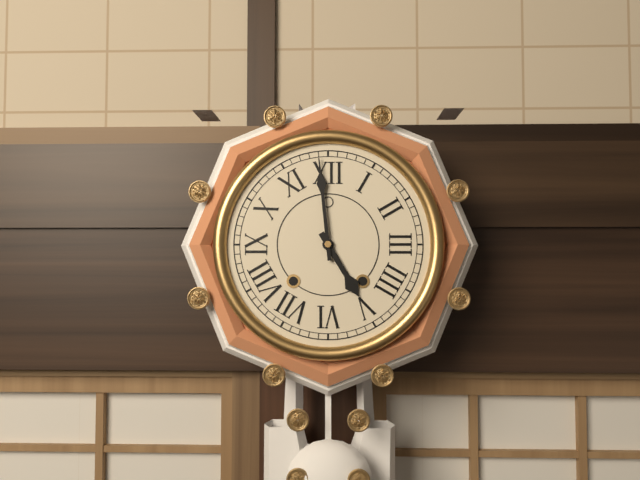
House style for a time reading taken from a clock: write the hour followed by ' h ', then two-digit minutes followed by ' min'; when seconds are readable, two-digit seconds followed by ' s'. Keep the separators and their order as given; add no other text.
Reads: 4 h 59 min
